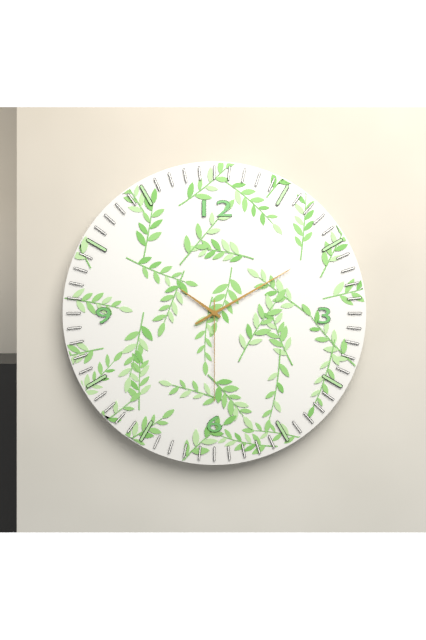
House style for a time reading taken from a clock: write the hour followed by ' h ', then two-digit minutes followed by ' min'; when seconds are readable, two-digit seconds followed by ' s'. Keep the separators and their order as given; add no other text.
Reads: 10 h 10 min 30 s
